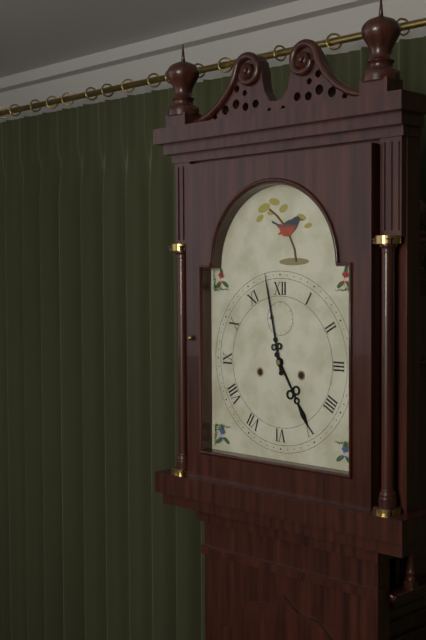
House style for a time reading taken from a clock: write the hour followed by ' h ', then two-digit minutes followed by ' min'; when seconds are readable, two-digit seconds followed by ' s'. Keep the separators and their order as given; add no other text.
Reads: 4 h 58 min
